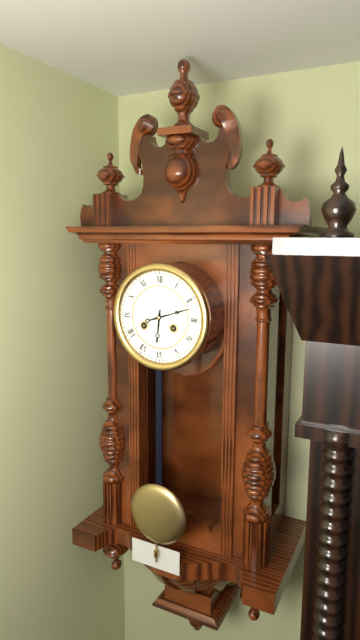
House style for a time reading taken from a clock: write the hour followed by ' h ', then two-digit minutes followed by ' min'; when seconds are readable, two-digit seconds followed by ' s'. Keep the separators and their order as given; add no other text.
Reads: 6 h 12 min
